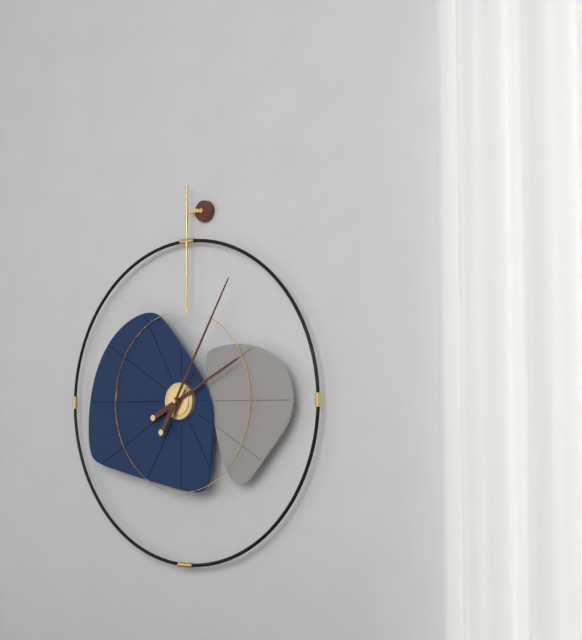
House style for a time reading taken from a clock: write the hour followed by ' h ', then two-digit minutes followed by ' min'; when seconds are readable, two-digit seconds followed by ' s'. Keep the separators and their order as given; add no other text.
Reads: 2 h 05 min
